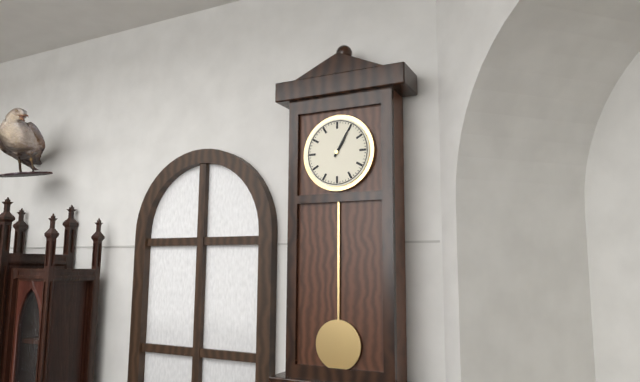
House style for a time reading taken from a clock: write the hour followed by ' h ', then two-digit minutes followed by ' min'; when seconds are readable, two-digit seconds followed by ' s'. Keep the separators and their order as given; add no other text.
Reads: 1 h 05 min
